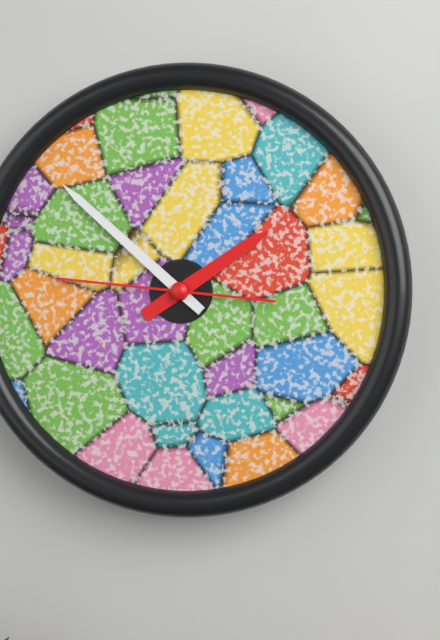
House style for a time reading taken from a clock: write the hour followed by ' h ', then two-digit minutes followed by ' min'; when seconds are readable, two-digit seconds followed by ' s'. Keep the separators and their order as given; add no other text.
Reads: 1 h 52 min 46 s
